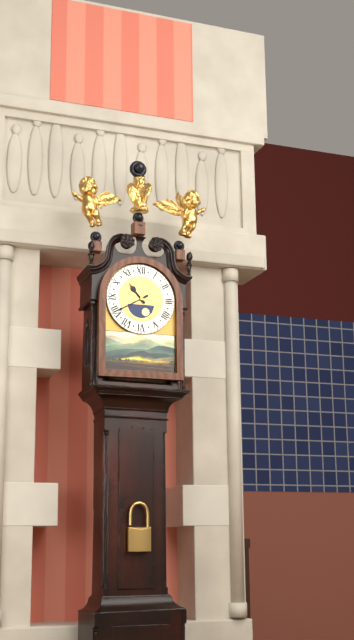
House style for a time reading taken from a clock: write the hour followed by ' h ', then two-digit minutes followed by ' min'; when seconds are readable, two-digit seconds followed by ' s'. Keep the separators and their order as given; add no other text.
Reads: 10 h 40 min
